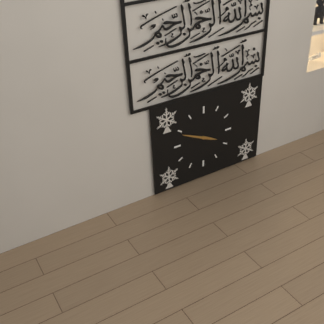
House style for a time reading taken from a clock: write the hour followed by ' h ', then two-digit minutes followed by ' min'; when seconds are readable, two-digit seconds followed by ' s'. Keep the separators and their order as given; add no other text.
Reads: 3 h 49 min
